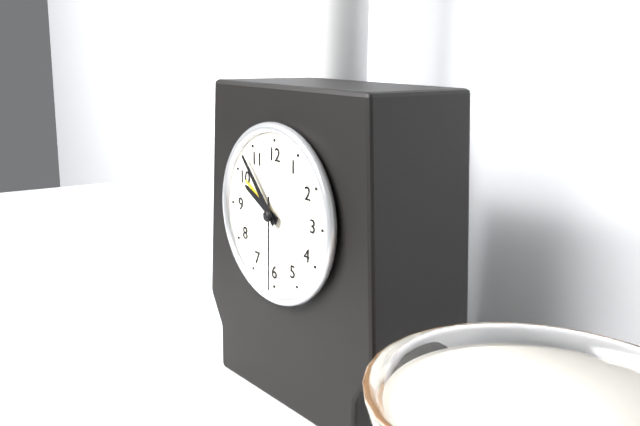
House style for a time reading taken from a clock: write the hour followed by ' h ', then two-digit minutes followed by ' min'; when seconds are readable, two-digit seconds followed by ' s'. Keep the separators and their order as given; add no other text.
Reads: 9 h 53 min 30 s
